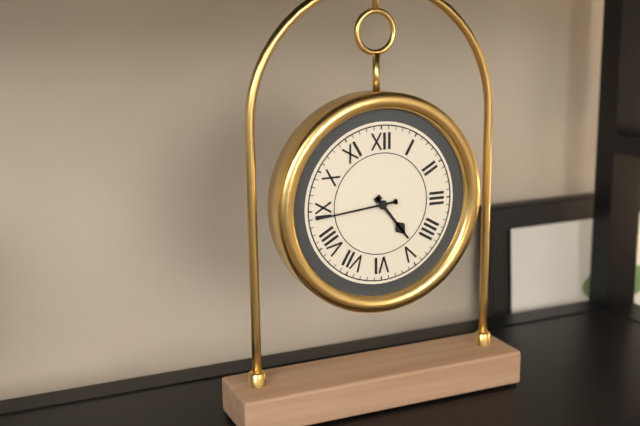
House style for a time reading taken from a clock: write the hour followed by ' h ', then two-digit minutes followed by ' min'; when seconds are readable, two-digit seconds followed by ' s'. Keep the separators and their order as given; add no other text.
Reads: 4 h 44 min
